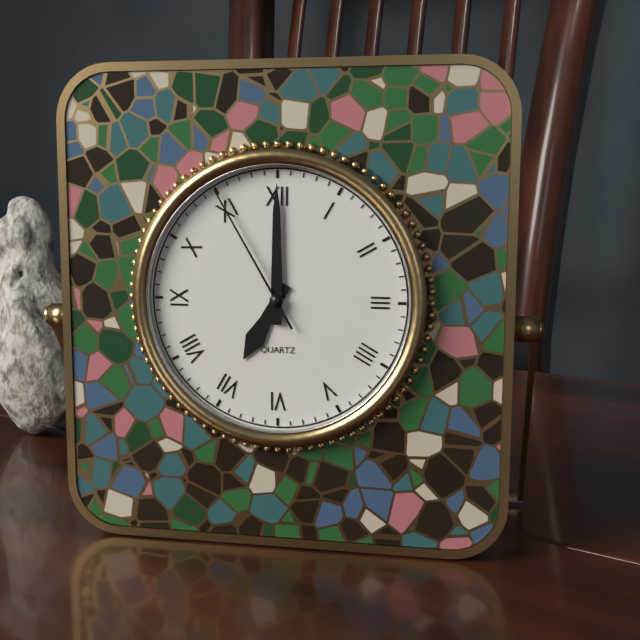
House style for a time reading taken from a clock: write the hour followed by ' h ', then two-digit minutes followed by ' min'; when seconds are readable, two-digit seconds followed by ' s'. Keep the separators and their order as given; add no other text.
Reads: 7 h 00 min 55 s
